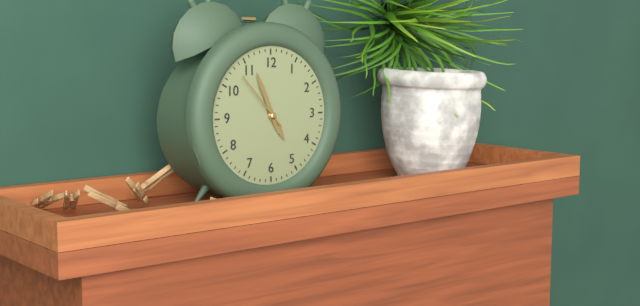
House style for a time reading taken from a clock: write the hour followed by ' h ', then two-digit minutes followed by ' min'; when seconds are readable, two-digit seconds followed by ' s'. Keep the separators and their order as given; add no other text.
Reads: 4 h 56 min 53 s
